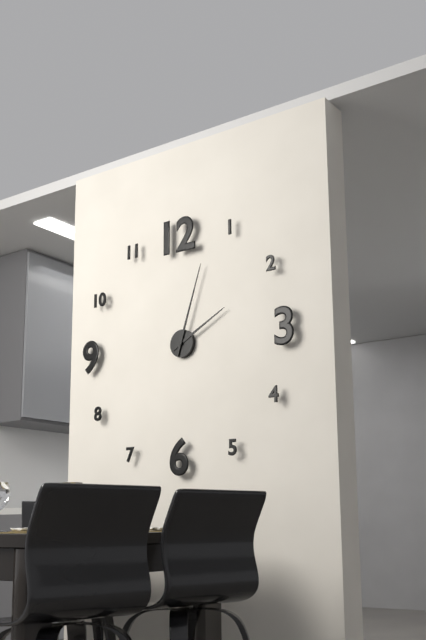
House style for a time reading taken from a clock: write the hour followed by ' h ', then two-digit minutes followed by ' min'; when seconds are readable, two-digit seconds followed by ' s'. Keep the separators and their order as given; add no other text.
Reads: 2 h 03 min
